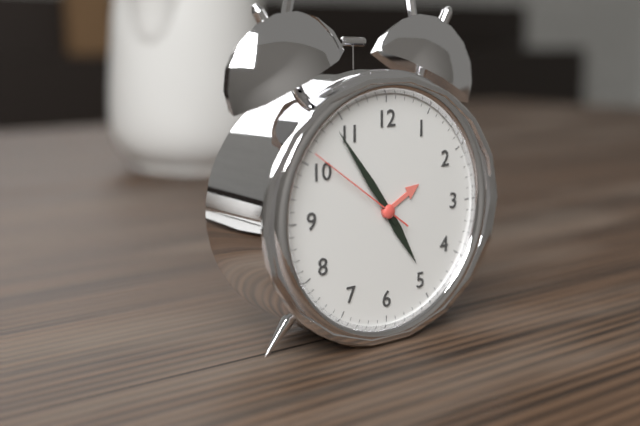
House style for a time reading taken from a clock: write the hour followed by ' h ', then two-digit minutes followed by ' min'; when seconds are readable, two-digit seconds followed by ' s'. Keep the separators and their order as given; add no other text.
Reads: 4 h 54 min 51 s
